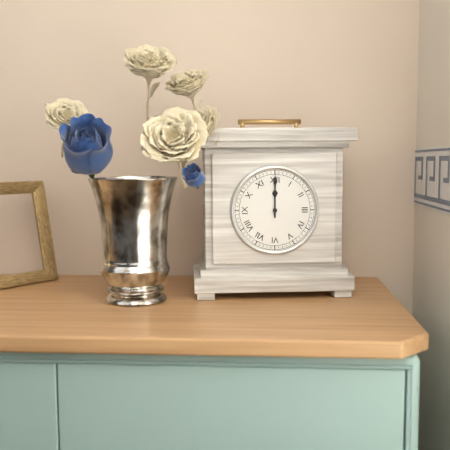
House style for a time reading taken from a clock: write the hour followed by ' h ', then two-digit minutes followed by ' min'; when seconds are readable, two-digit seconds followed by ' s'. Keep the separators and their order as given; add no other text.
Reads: 12 h 00 min
